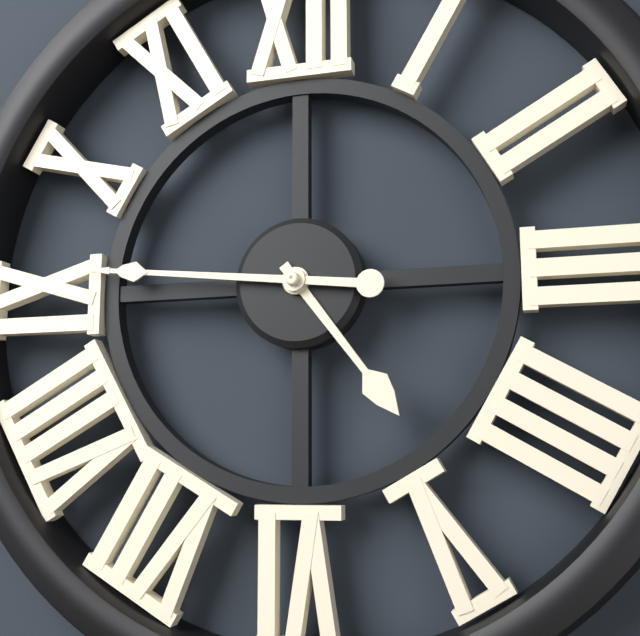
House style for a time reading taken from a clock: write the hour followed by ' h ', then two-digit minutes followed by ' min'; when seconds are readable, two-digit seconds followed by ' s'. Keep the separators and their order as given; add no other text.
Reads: 4 h 46 min
